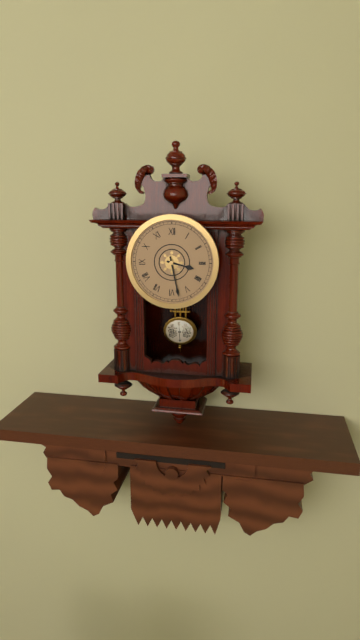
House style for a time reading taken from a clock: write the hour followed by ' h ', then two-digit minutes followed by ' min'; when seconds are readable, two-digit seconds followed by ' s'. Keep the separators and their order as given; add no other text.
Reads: 3 h 28 min
